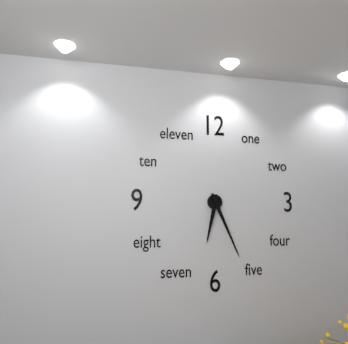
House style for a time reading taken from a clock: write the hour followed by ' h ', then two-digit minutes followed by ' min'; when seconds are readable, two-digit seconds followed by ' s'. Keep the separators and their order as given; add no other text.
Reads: 6 h 26 min
